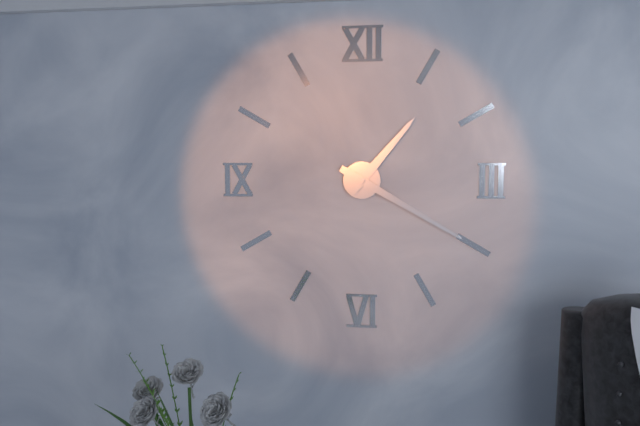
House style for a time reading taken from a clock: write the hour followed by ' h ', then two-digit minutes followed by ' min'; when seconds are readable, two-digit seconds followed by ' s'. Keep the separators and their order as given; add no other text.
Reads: 1 h 20 min
